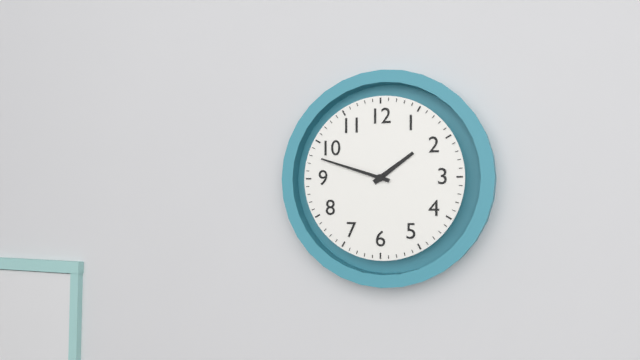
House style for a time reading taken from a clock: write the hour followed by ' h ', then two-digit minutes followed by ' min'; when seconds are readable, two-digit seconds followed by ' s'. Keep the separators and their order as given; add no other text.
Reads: 1 h 48 min
